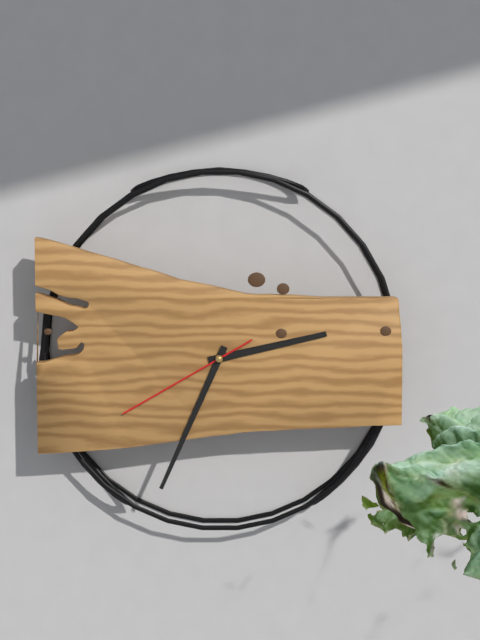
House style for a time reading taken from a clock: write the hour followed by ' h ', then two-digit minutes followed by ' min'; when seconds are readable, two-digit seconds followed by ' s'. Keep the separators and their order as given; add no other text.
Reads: 2 h 34 min 40 s
